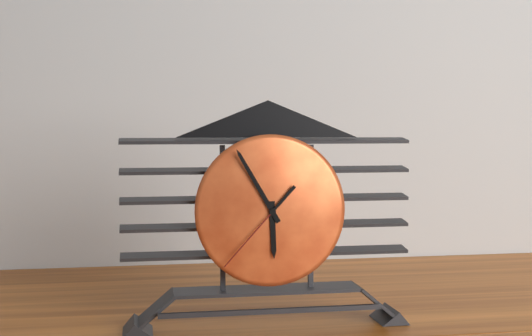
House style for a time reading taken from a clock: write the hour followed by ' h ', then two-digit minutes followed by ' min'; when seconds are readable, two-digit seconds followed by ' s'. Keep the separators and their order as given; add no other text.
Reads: 5 h 55 min 37 s
